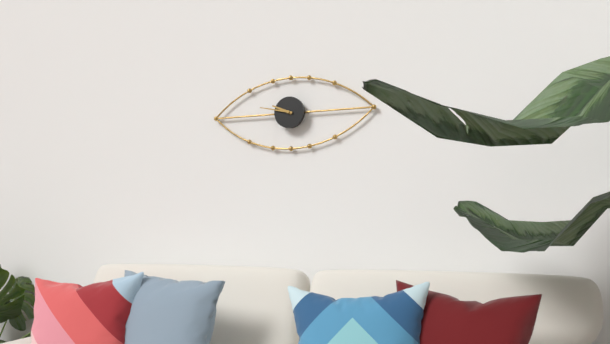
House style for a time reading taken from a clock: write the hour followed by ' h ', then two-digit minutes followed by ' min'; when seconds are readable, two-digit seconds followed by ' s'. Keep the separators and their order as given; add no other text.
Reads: 9 h 47 min
